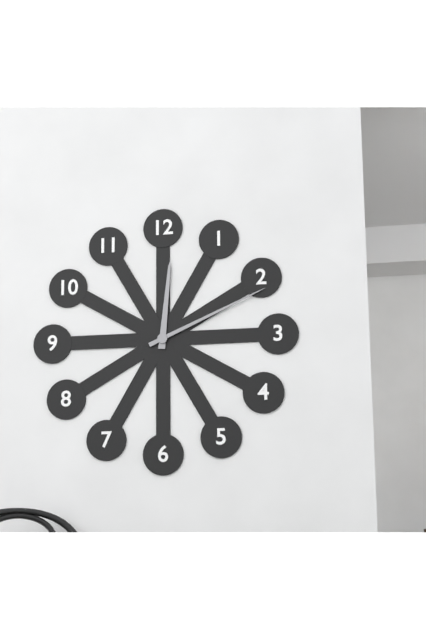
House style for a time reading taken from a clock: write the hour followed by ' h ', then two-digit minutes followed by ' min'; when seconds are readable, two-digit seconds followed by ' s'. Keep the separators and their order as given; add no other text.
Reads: 12 h 11 min
